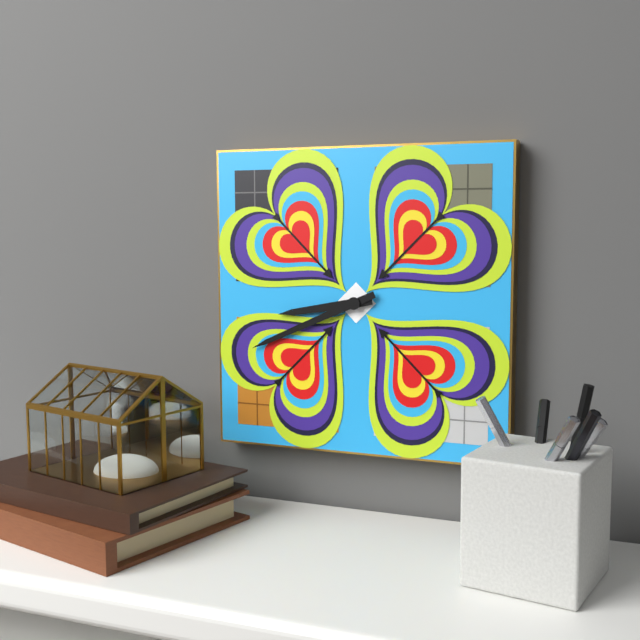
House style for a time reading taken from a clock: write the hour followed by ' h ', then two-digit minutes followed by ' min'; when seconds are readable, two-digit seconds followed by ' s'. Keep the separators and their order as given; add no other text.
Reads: 8 h 41 min
